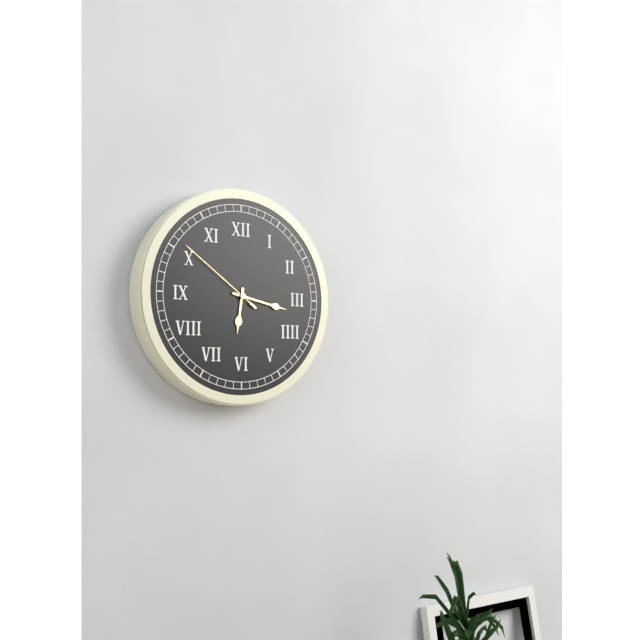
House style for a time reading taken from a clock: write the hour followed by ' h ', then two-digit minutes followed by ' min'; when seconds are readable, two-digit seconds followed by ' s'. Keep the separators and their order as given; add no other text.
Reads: 6 h 17 min 51 s
